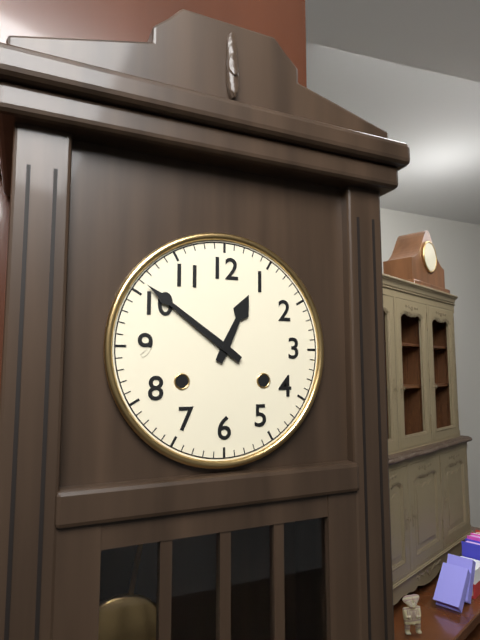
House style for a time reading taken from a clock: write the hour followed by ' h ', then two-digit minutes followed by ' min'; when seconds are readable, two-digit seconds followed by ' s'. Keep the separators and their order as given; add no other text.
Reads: 12 h 51 min
